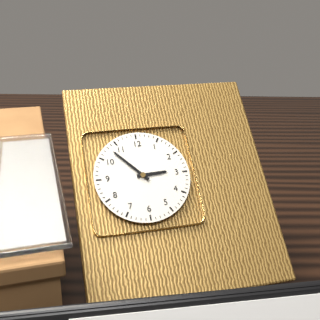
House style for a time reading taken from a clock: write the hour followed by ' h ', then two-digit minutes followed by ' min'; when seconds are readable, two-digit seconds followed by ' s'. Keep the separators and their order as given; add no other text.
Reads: 2 h 53 min
